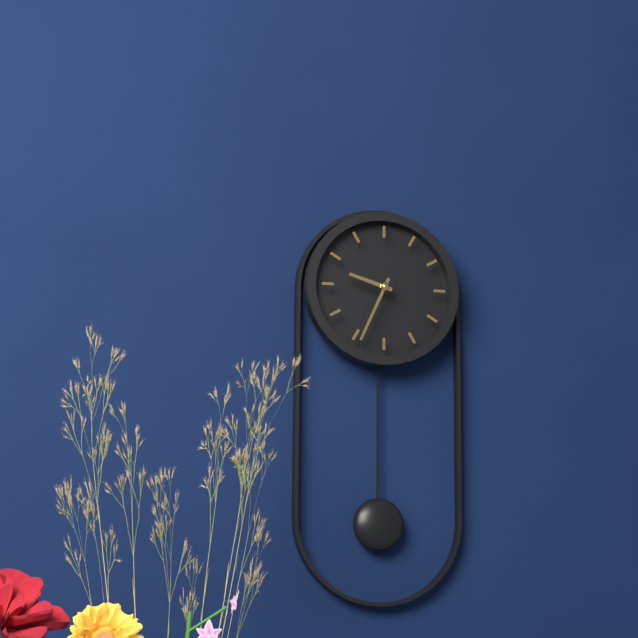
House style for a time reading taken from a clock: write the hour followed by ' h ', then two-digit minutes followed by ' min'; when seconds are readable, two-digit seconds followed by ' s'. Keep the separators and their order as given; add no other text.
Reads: 9 h 34 min
